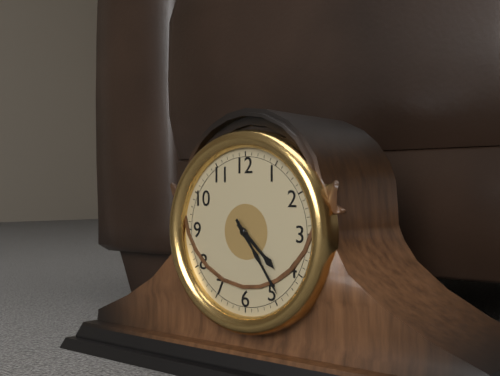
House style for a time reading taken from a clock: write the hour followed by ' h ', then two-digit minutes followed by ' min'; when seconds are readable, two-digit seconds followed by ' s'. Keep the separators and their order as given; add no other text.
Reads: 4 h 24 min
